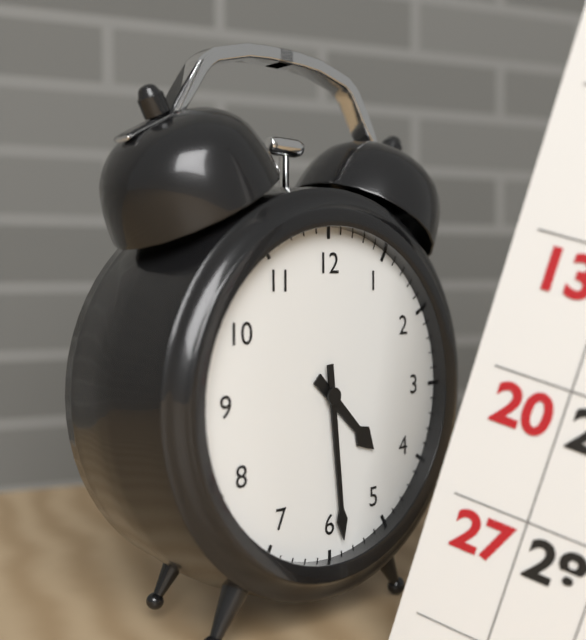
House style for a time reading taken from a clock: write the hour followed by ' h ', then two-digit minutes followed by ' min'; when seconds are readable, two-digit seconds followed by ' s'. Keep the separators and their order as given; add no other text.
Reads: 4 h 29 min
